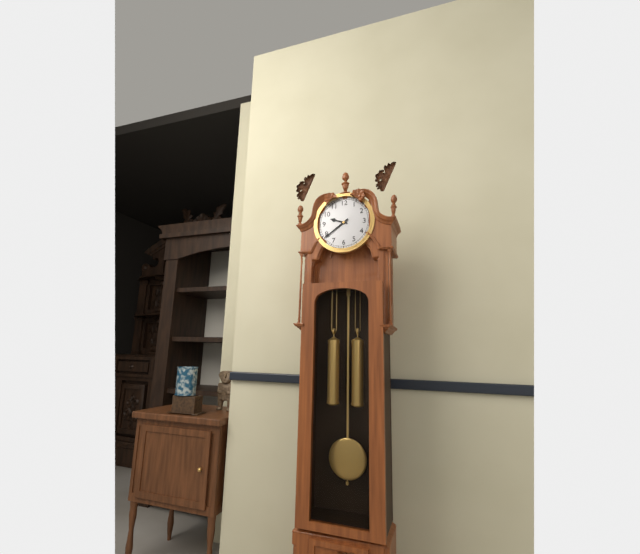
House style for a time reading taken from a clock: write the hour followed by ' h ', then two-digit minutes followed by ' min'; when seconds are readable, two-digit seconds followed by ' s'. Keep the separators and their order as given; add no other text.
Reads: 9 h 39 min
